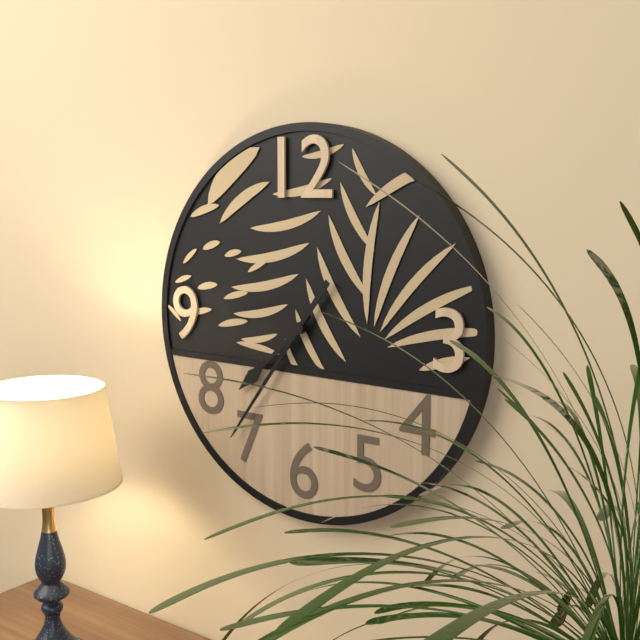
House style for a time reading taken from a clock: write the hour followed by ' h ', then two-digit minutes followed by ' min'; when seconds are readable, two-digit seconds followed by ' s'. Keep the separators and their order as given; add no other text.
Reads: 7 h 36 min
